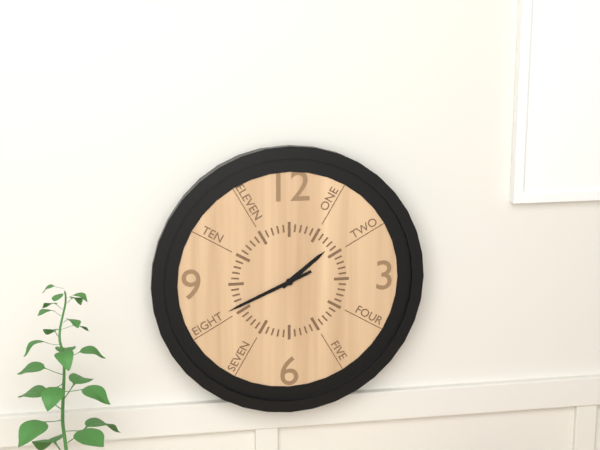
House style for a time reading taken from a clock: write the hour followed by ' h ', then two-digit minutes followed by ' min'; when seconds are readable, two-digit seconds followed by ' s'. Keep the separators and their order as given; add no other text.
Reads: 1 h 41 min
